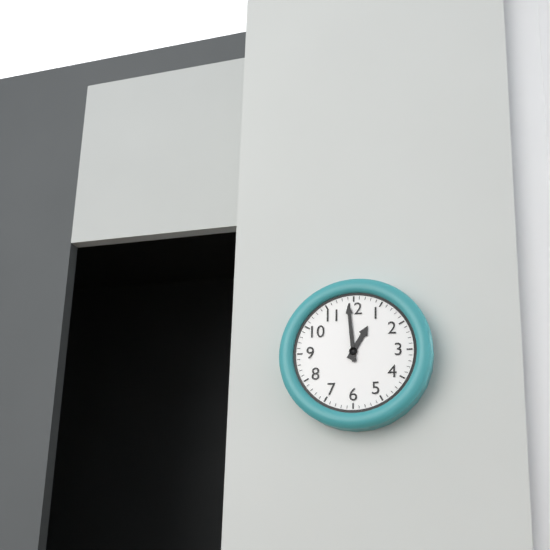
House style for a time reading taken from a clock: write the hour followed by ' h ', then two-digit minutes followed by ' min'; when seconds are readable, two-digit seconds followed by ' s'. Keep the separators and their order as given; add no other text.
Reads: 12 h 59 min
